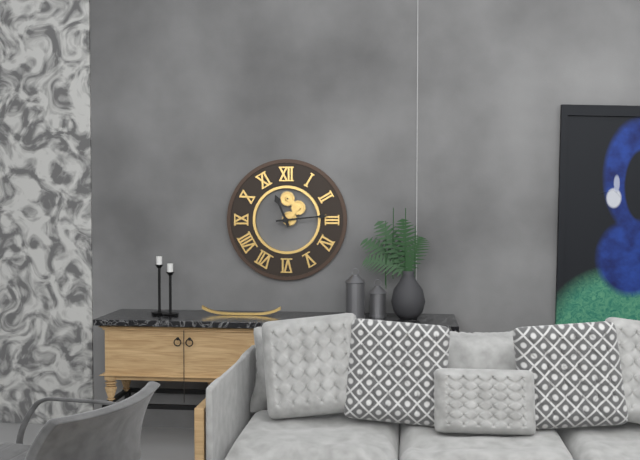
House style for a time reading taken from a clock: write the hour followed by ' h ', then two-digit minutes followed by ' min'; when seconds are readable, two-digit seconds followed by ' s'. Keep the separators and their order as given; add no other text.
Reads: 11 h 14 min
